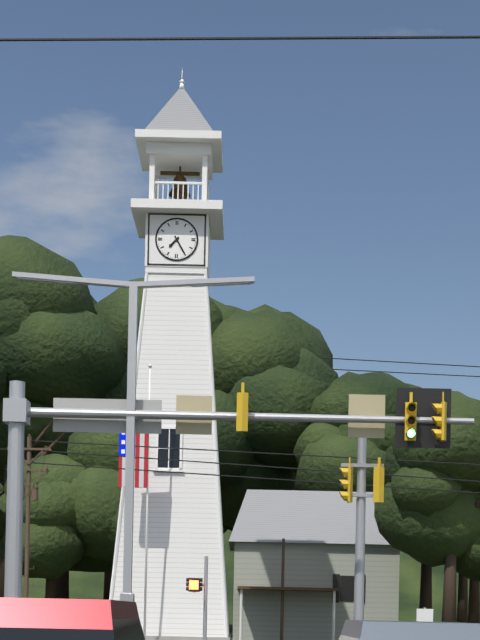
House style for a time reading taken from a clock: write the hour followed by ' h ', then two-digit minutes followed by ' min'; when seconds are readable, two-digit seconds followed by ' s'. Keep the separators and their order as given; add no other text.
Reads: 7 h 25 min
